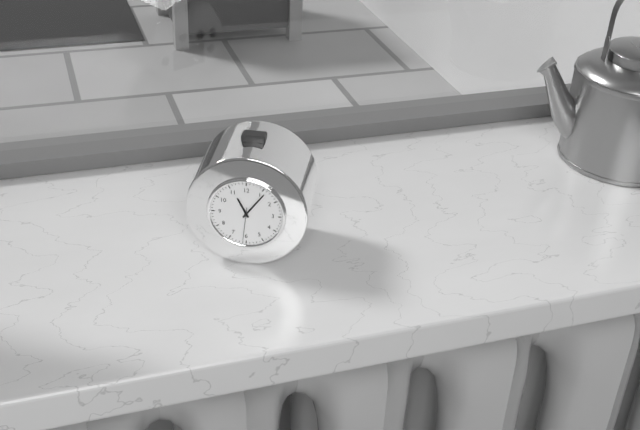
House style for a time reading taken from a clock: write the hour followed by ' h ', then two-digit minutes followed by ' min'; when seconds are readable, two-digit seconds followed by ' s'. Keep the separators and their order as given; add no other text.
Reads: 11 h 06 min
